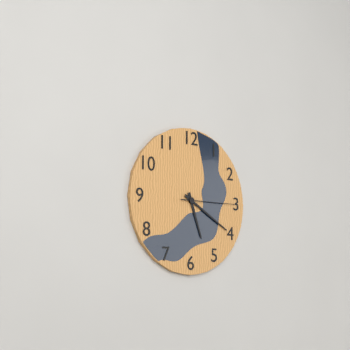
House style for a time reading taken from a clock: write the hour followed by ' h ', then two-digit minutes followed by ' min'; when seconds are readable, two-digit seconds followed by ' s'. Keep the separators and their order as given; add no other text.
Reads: 5 h 20 min 15 s
